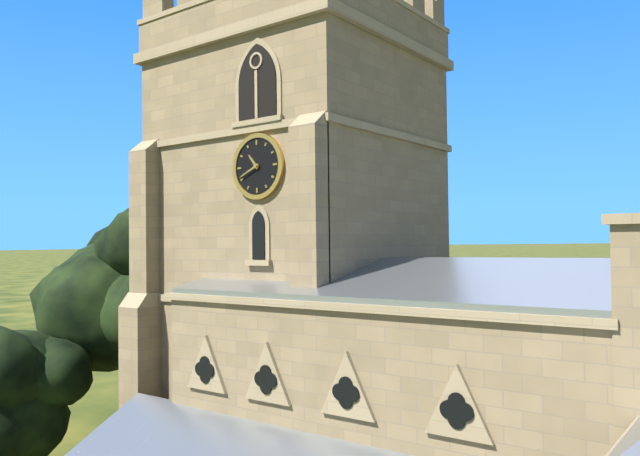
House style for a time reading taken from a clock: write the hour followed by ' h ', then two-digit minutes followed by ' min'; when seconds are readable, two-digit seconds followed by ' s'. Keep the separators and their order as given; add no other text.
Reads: 10 h 41 min
